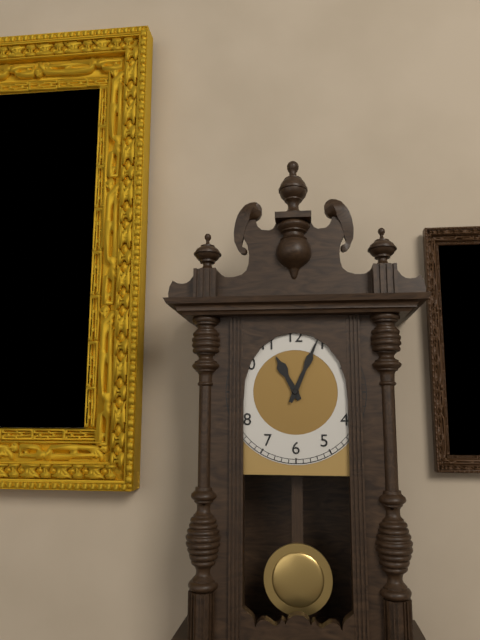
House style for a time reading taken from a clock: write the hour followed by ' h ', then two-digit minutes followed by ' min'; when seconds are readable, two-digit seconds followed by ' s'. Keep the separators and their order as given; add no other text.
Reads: 11 h 04 min
